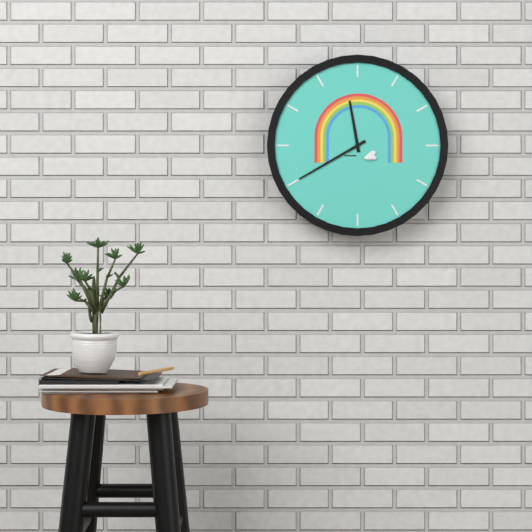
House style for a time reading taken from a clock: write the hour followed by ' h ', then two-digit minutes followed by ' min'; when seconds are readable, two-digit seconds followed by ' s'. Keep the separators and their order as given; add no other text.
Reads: 11 h 40 min
